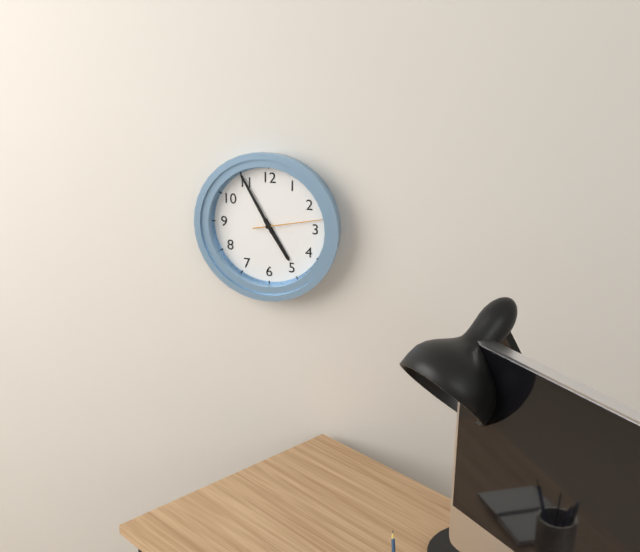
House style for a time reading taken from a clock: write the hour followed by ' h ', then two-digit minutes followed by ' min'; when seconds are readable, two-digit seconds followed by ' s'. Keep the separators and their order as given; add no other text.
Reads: 4 h 55 min 13 s
